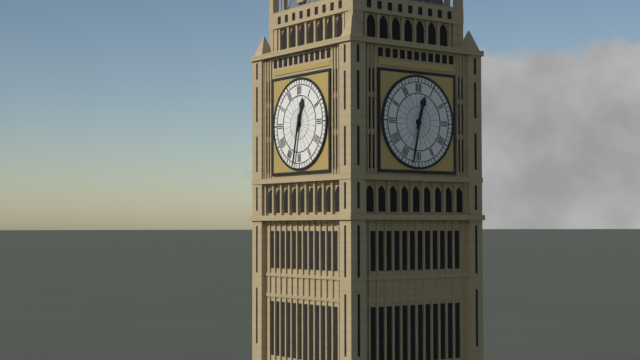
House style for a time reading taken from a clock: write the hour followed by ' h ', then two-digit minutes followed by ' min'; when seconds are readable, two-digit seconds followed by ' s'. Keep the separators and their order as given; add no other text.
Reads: 12 h 32 min
